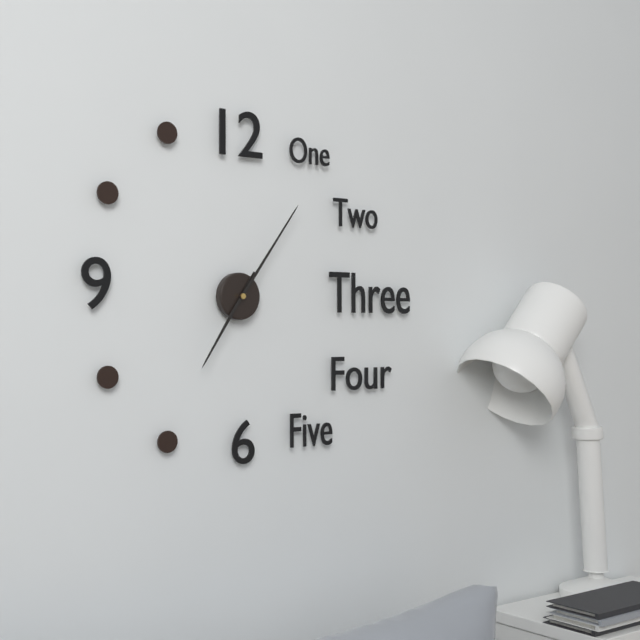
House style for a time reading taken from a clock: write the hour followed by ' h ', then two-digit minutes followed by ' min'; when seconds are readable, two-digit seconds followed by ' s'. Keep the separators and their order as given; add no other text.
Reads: 7 h 06 min
